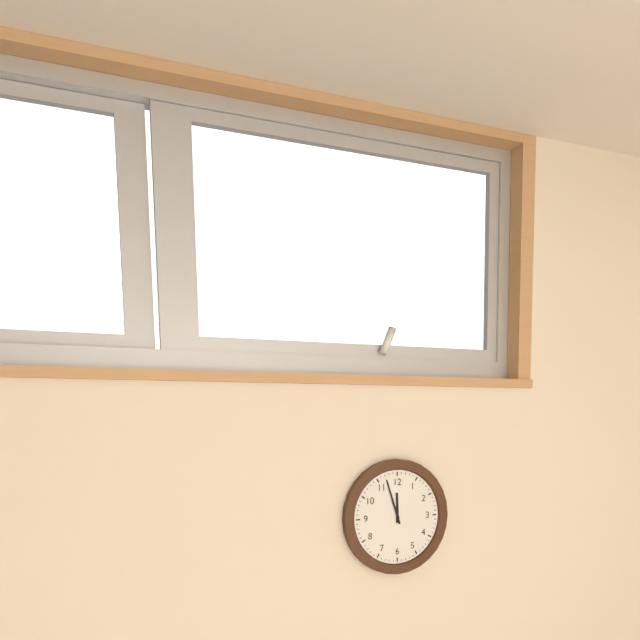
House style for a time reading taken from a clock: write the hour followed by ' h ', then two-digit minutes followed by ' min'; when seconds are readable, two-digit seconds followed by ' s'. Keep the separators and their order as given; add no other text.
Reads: 11 h 57 min
